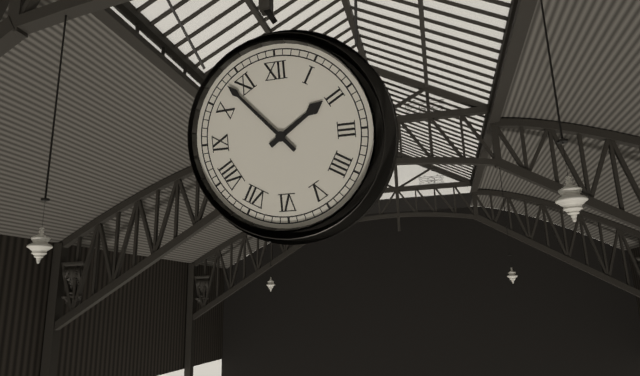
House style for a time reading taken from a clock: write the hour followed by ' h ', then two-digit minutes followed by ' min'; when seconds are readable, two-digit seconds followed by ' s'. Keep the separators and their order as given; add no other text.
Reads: 1 h 53 min
